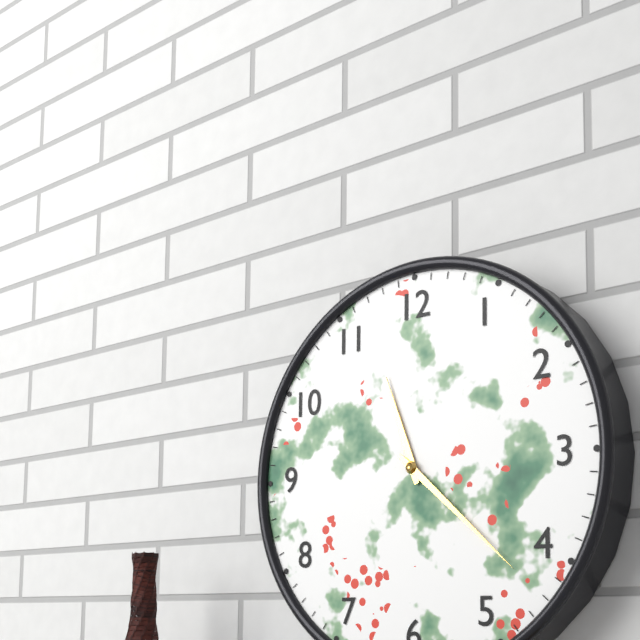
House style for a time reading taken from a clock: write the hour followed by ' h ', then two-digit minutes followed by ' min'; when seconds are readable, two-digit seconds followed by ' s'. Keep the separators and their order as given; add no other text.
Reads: 11 h 22 min
